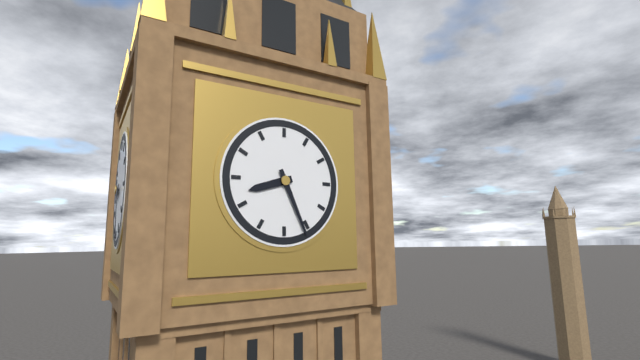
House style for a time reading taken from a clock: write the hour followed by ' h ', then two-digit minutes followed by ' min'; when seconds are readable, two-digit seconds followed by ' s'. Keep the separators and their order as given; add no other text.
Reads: 8 h 26 min
